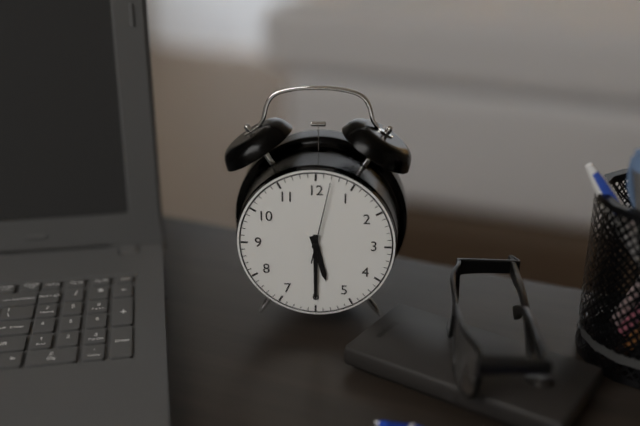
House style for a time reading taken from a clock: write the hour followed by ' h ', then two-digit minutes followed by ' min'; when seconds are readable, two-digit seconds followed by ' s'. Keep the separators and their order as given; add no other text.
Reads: 5 h 30 min 02 s
